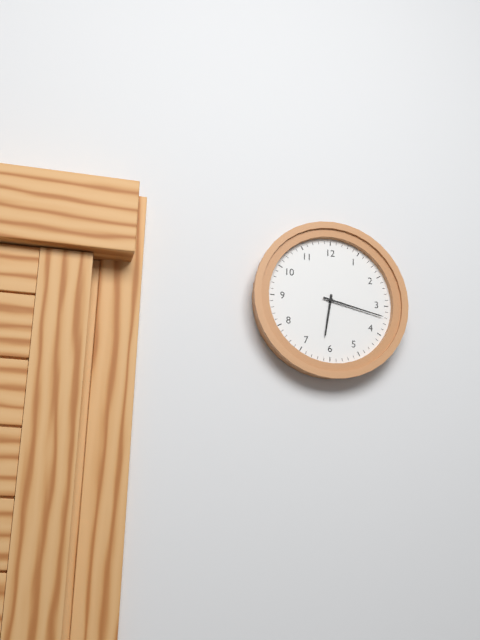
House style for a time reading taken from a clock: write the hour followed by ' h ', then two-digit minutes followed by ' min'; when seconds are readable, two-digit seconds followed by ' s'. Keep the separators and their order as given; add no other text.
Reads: 6 h 17 min
